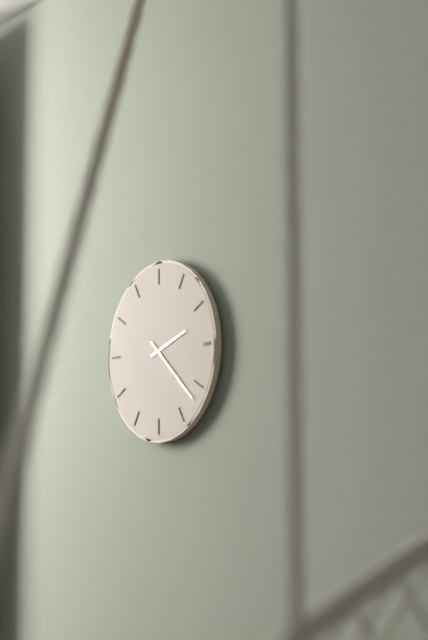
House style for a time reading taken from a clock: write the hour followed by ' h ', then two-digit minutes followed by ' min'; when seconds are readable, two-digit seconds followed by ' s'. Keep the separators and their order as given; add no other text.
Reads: 2 h 22 min
